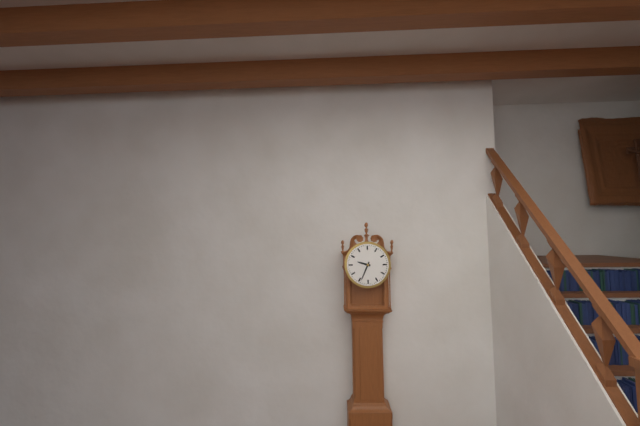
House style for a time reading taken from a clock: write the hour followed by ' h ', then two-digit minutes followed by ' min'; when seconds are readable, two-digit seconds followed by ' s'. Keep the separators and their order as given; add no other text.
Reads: 9 h 34 min
